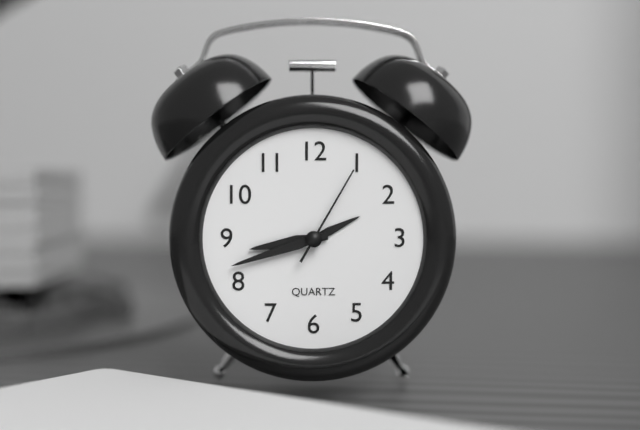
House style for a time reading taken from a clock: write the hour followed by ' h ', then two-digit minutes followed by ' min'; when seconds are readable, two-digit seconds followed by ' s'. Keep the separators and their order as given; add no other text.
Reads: 8 h 42 min 05 s
